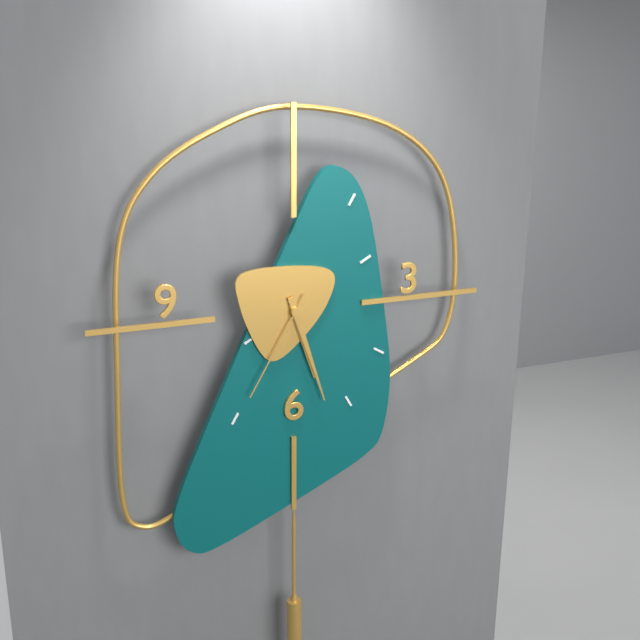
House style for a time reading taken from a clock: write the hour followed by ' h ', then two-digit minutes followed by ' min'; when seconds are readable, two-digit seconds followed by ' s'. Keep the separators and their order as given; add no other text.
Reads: 5 h 27 min 35 s
